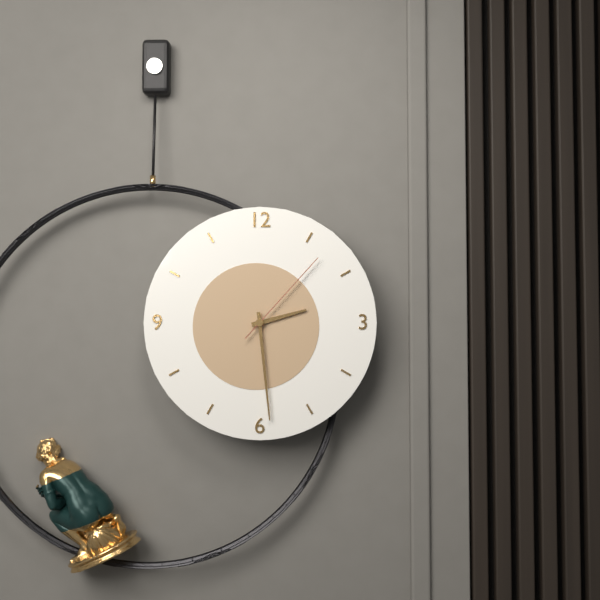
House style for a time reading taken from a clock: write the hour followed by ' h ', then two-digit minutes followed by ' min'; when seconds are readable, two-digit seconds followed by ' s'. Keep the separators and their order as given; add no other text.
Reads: 2 h 29 min 07 s
